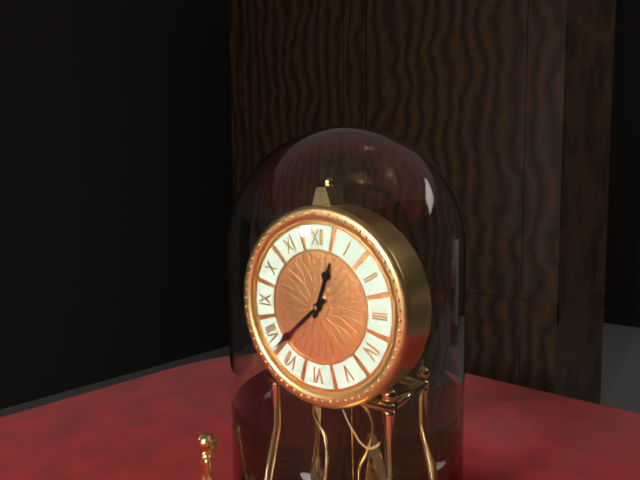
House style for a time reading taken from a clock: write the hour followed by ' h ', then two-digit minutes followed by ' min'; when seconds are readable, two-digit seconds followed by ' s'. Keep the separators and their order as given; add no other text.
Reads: 12 h 38 min
